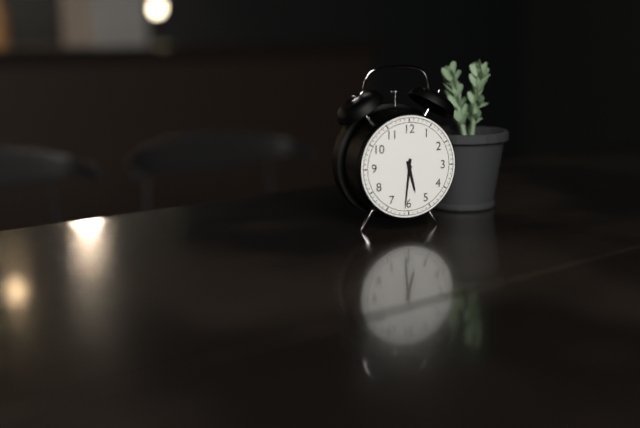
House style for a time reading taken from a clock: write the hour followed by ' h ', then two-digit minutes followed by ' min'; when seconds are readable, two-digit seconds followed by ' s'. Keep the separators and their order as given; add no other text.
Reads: 5 h 31 min
